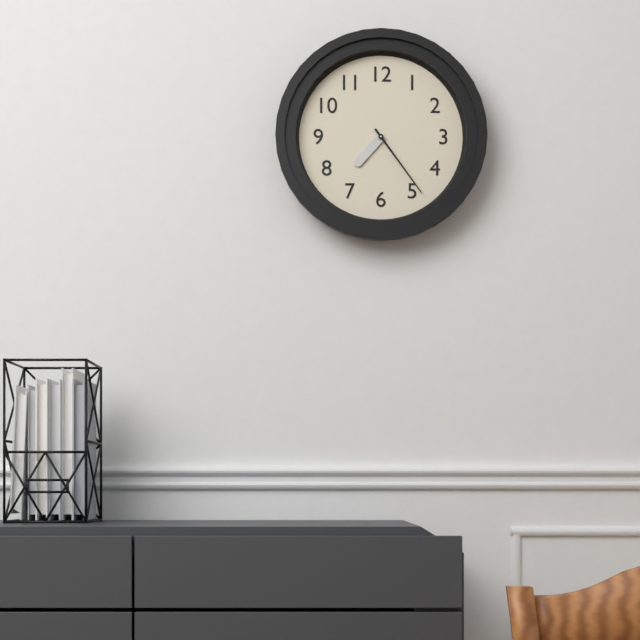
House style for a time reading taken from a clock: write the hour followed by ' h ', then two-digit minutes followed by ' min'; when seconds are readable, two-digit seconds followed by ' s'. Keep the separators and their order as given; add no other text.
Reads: 7 h 24 min
